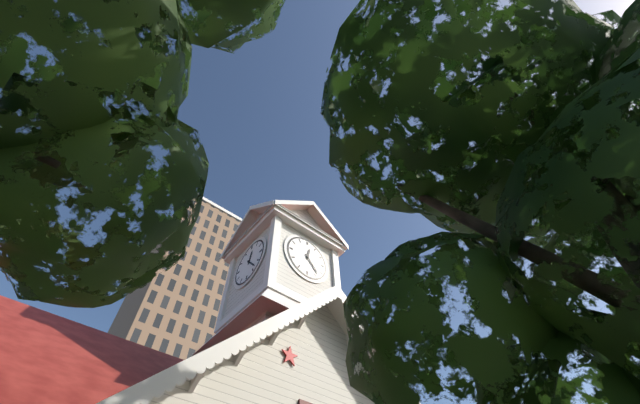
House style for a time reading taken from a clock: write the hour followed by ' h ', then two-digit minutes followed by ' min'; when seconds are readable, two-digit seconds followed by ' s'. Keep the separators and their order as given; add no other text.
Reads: 12 h 23 min
